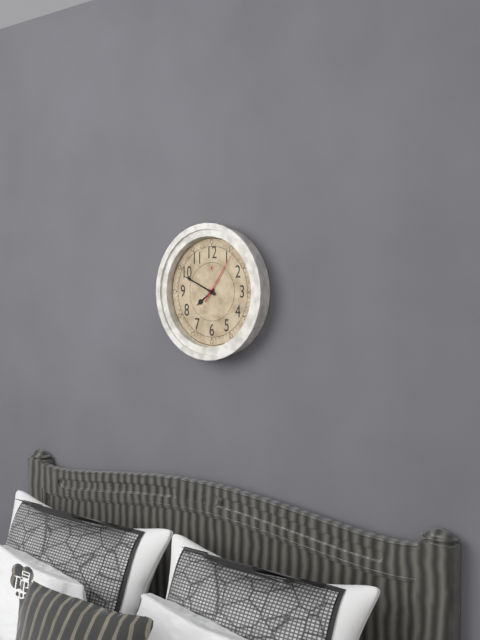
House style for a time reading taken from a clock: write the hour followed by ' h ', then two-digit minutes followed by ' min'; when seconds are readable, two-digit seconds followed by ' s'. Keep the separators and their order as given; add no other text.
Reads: 7 h 49 min 06 s
